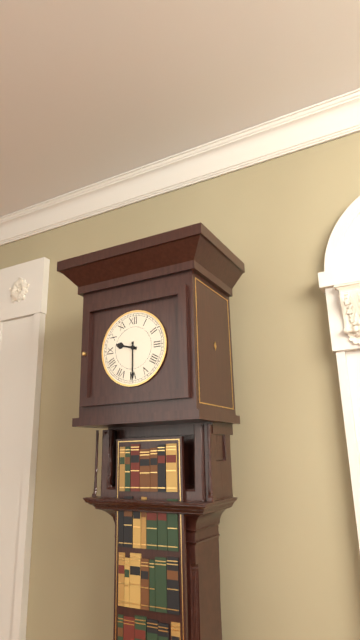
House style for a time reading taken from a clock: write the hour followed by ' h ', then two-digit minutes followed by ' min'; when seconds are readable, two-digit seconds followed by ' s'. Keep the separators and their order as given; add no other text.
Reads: 9 h 30 min
